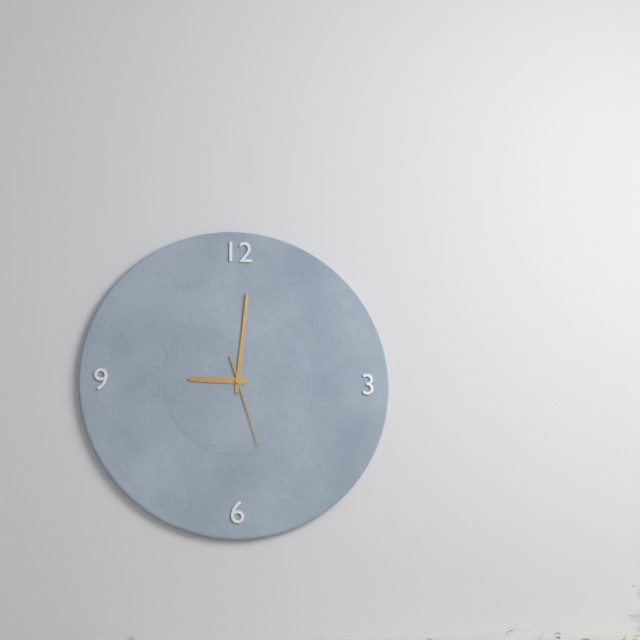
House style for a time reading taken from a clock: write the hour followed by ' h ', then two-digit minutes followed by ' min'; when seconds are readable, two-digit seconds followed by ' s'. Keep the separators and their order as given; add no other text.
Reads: 9 h 01 min 27 s
